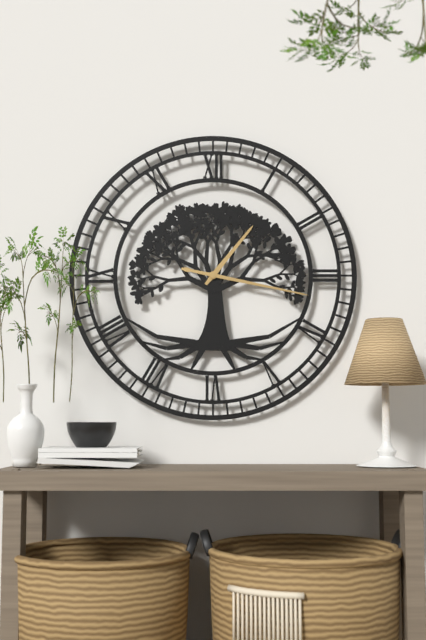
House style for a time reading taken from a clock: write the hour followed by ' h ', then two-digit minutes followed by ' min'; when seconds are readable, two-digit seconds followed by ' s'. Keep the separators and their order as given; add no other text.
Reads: 1 h 17 min
